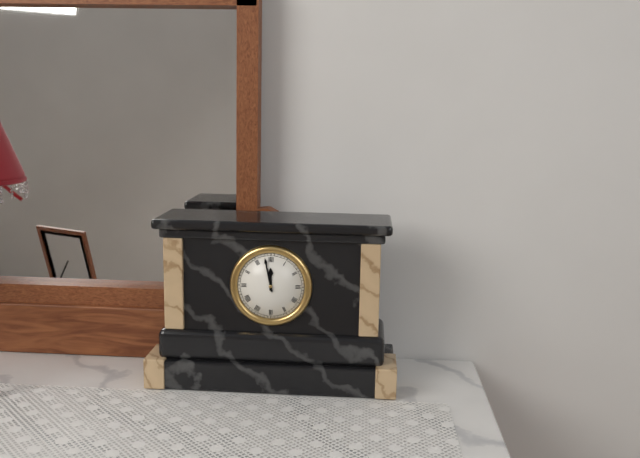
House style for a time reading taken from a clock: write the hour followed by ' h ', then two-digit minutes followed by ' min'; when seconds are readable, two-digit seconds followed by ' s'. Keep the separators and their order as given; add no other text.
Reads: 11 h 58 min
